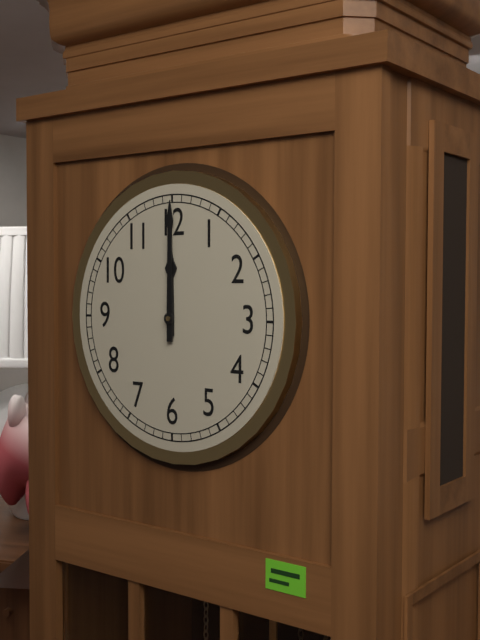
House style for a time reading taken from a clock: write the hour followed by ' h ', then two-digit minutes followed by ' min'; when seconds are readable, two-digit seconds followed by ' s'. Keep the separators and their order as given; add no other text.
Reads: 12 h 00 min
